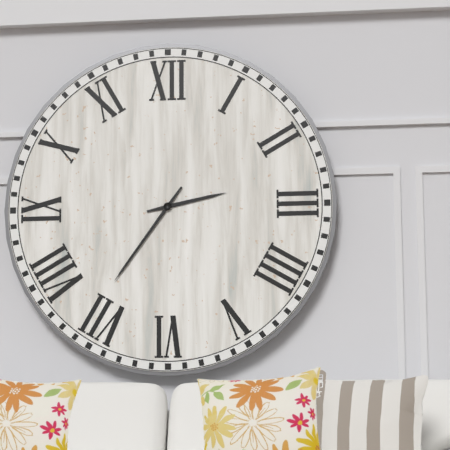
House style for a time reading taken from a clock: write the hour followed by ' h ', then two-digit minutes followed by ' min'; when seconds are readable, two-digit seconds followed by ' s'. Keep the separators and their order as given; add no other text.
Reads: 2 h 36 min
